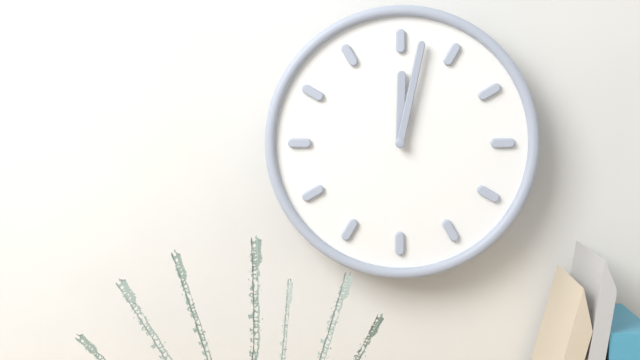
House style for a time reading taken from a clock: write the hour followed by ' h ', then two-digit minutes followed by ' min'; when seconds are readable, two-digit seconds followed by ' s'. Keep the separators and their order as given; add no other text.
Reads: 12 h 02 min
